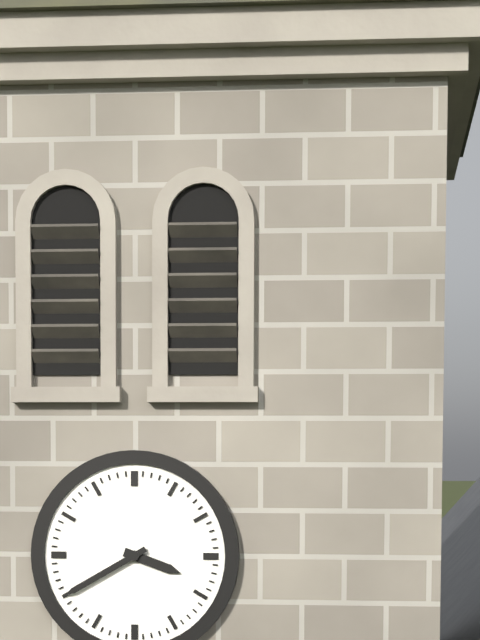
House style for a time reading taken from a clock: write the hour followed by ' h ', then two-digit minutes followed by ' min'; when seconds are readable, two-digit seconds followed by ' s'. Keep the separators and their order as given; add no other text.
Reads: 3 h 40 min
